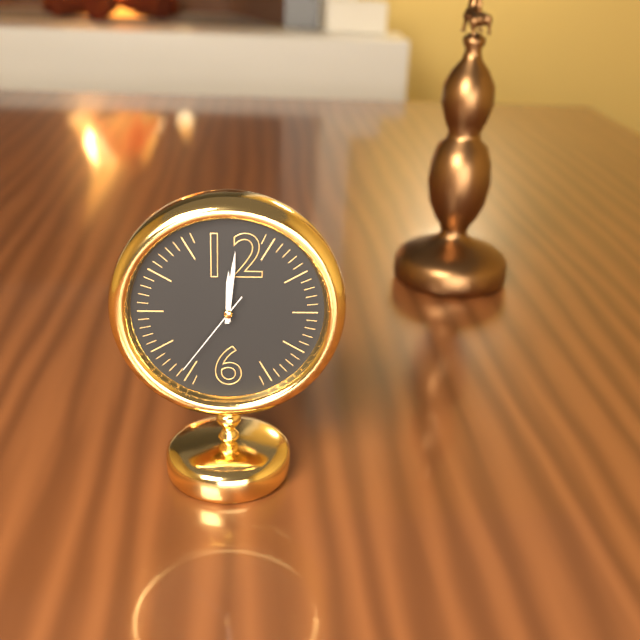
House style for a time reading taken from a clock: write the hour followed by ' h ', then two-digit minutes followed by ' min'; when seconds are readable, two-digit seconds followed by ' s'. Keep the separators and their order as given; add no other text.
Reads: 12 h 01 min 36 s
